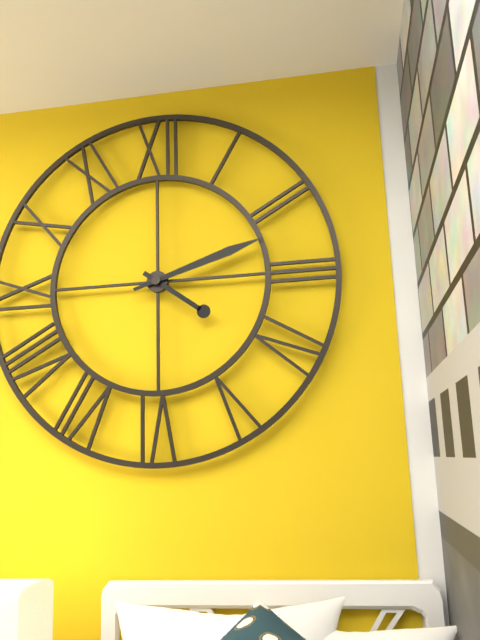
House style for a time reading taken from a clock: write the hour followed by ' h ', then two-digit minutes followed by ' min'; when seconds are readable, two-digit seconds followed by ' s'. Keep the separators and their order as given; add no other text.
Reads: 4 h 12 min
